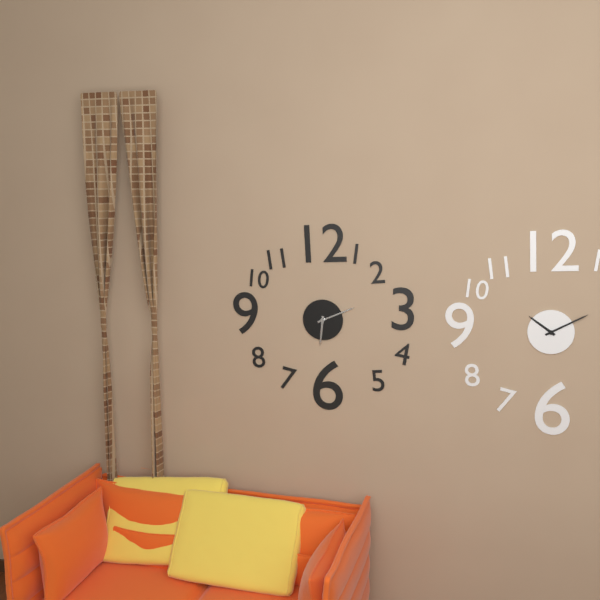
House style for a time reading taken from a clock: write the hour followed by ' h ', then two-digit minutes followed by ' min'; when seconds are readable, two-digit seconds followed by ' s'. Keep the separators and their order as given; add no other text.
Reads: 6 h 11 min
